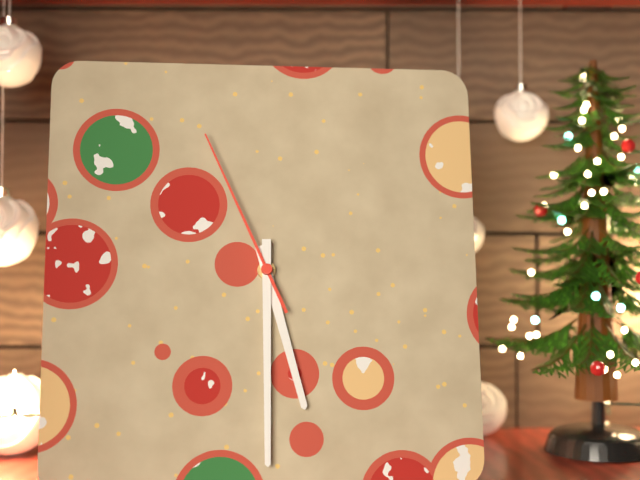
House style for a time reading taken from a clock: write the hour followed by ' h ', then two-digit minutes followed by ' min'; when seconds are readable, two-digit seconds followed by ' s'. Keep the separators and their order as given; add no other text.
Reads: 5 h 30 min 56 s
